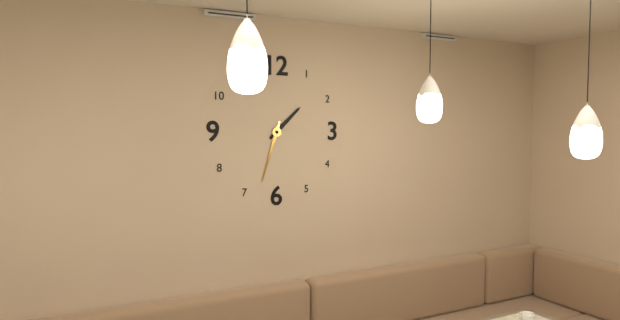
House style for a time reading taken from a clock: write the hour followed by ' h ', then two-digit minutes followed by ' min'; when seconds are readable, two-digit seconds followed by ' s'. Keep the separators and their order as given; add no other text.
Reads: 1 h 33 min
